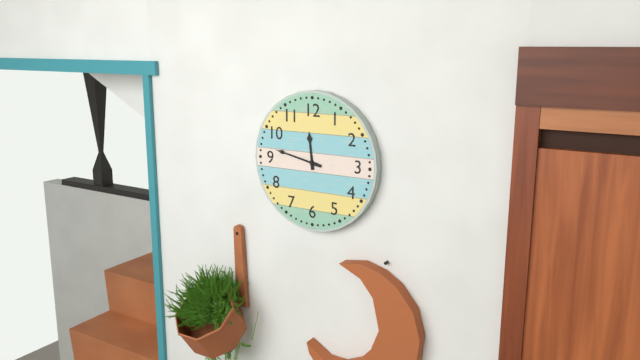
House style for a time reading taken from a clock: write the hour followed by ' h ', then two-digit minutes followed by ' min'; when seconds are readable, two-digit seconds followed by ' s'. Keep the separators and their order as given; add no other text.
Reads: 11 h 47 min
